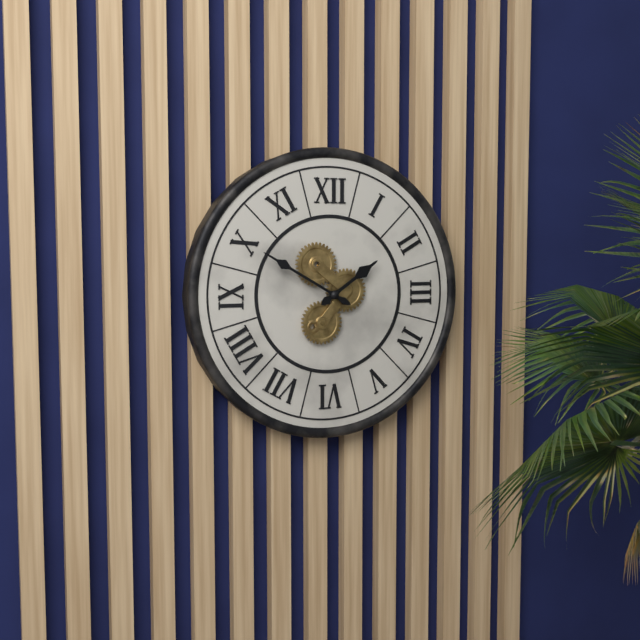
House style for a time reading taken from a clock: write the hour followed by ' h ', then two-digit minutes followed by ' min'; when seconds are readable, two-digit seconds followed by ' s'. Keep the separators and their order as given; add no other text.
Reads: 1 h 50 min
